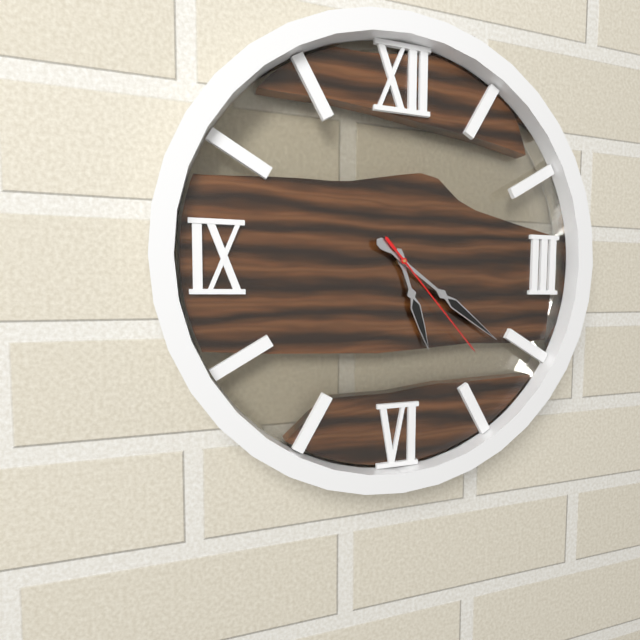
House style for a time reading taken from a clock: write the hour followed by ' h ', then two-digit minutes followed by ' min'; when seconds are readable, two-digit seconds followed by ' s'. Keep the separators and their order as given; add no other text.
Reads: 5 h 21 min 23 s
